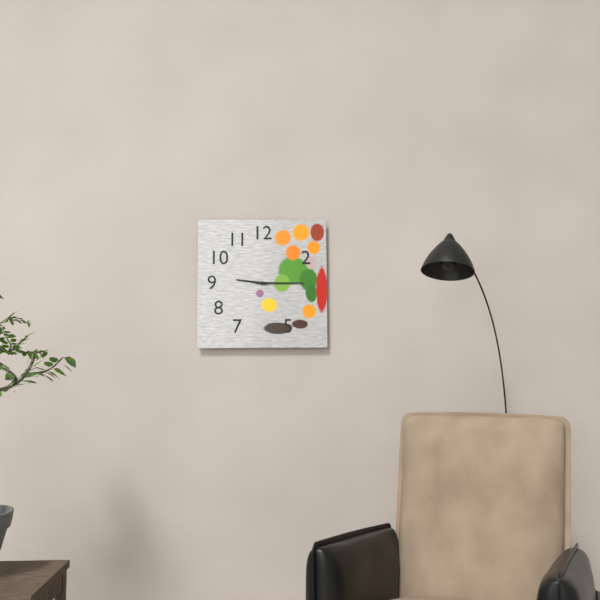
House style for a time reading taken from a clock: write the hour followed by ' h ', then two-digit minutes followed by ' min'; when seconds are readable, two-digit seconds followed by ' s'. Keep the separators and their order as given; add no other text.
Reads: 9 h 15 min
